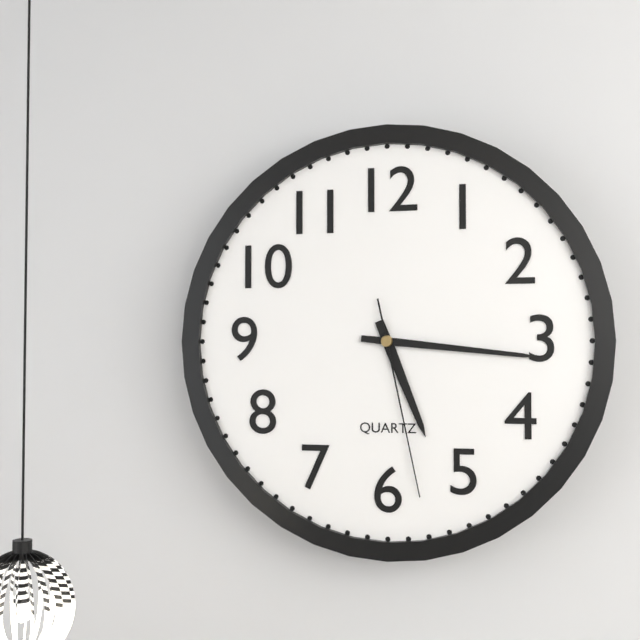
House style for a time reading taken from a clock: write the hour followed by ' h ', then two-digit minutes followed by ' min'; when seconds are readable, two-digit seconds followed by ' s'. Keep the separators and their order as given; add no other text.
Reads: 5 h 16 min 28 s
